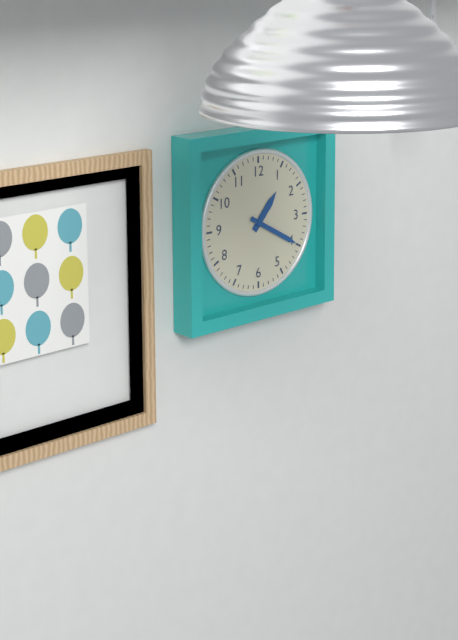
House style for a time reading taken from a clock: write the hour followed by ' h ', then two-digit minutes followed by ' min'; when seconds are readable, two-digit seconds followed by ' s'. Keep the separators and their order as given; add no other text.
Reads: 1 h 20 min
